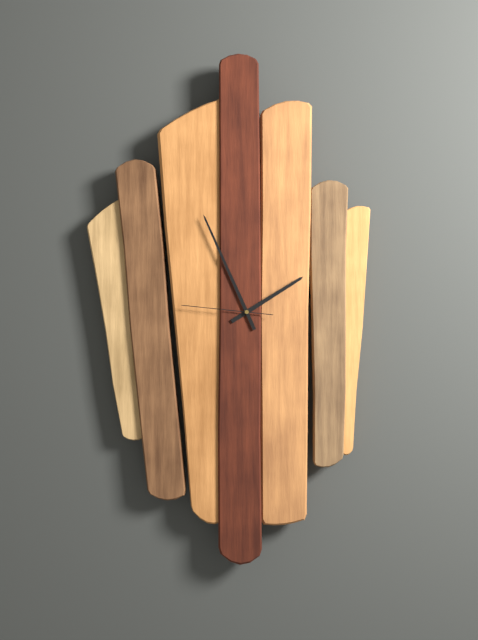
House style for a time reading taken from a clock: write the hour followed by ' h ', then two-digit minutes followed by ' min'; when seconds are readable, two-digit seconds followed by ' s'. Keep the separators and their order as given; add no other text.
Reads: 1 h 56 min 46 s
